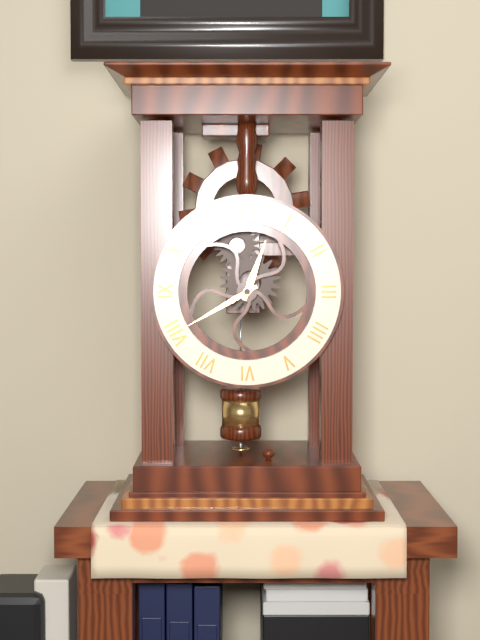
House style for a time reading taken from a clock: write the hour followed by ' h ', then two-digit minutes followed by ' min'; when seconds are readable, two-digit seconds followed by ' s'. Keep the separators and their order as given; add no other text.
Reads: 12 h 40 min
